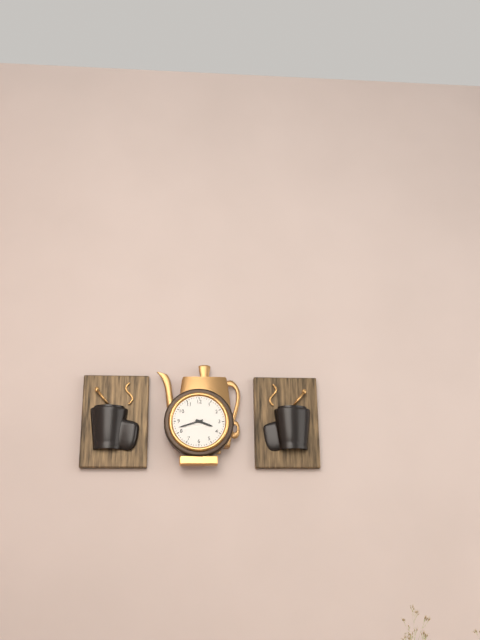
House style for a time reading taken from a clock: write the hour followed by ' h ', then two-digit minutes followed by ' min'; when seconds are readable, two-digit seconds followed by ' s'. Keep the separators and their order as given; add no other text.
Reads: 3 h 42 min
